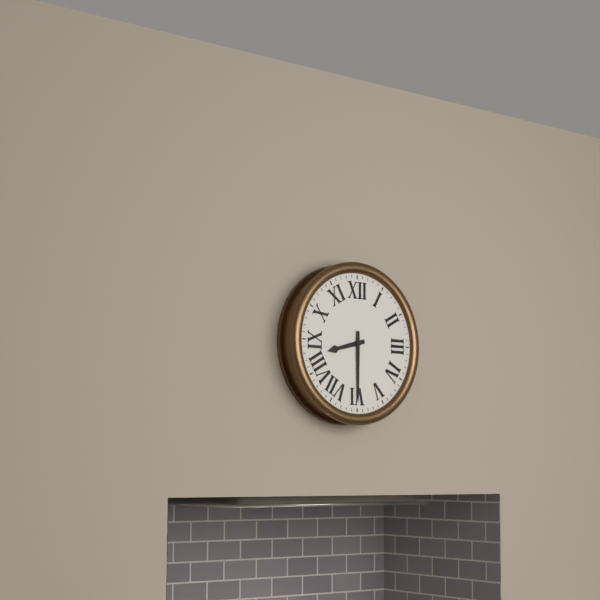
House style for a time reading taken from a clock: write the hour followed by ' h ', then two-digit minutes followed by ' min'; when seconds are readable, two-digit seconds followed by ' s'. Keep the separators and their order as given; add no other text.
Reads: 8 h 30 min
